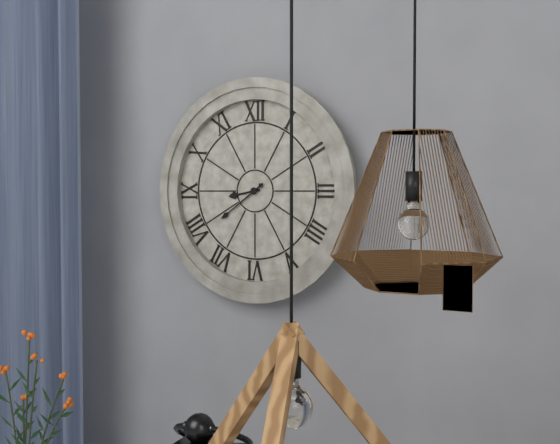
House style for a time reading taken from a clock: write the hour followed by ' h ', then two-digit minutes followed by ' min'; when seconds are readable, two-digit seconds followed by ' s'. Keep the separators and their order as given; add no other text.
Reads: 8 h 39 min
